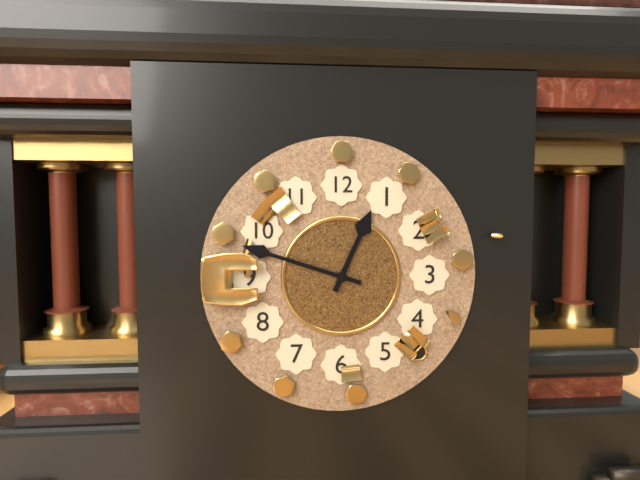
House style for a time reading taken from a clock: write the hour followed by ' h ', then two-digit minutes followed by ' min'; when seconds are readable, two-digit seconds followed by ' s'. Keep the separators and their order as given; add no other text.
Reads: 12 h 48 min
